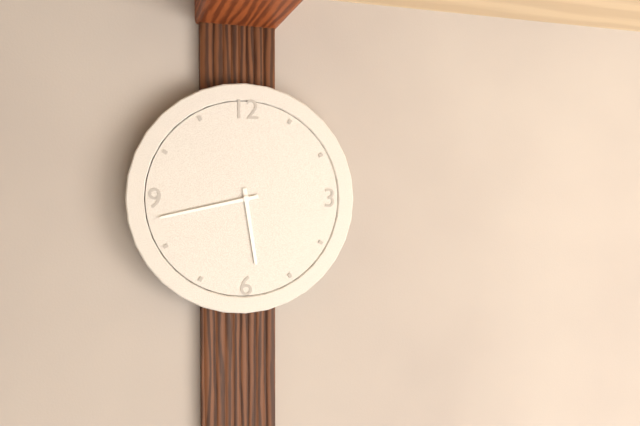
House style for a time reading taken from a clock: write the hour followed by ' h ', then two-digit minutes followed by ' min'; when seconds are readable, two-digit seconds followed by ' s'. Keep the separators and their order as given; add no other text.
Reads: 5 h 43 min
